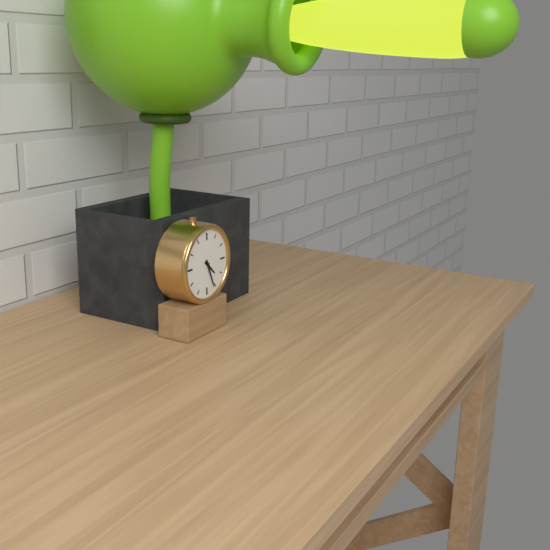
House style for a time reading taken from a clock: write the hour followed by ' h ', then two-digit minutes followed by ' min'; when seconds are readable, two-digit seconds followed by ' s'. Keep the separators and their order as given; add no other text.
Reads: 4 h 26 min
